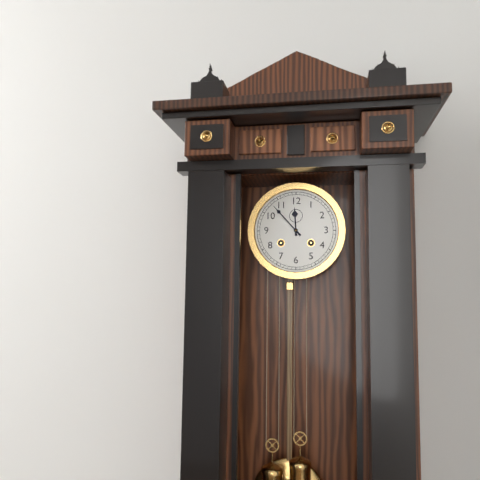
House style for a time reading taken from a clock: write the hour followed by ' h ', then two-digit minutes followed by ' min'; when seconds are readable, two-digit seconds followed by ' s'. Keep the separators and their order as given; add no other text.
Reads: 11 h 53 min
